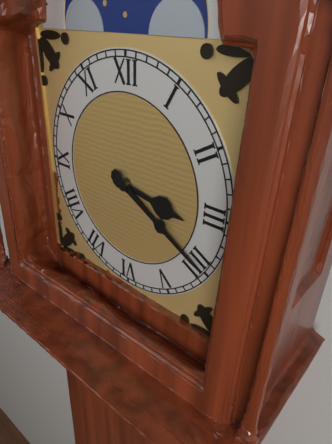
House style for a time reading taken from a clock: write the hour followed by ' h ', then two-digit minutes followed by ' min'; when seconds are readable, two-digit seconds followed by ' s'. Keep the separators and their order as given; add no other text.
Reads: 3 h 20 min
